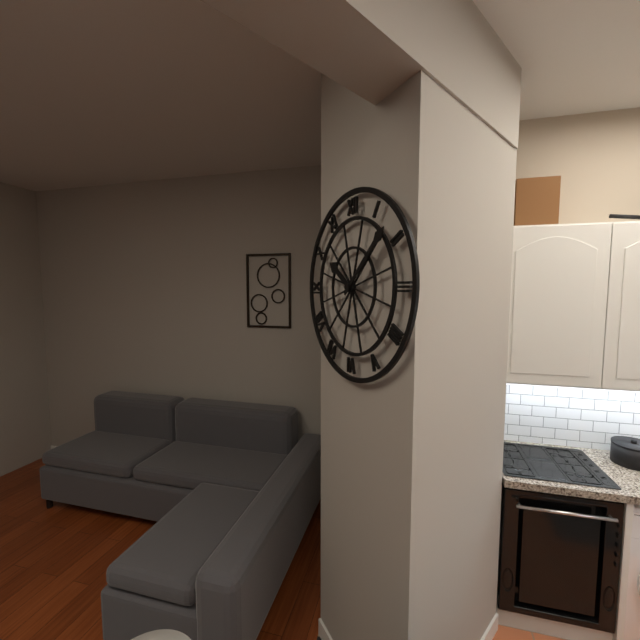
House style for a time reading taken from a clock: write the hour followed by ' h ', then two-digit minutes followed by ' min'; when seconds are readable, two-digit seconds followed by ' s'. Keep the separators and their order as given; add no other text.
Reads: 10 h 08 min
